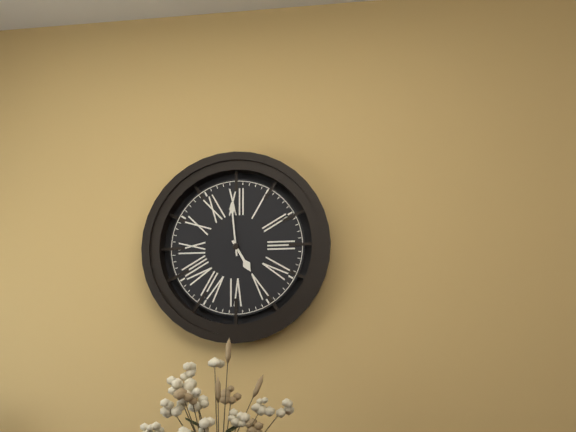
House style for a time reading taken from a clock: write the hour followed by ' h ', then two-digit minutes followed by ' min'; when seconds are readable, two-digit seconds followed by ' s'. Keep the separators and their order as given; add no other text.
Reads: 4 h 59 min
